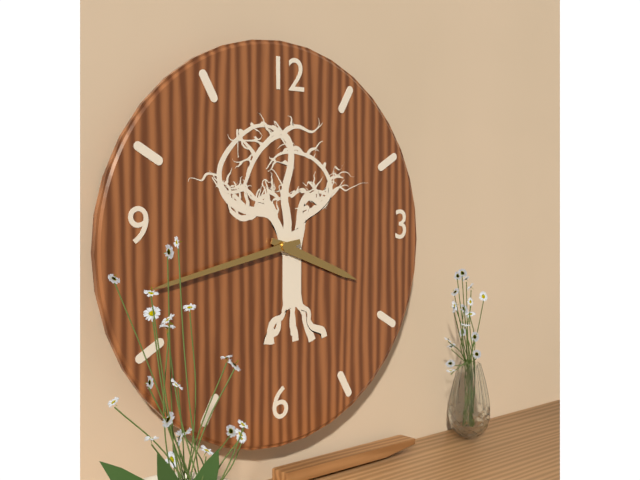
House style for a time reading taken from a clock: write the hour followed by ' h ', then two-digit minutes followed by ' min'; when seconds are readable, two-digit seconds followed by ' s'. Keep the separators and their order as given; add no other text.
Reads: 3 h 43 min
